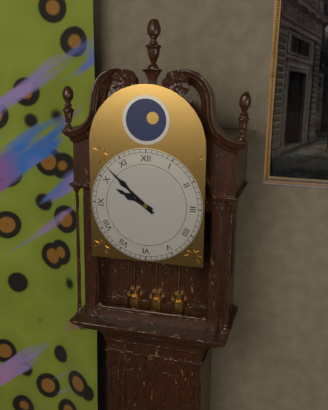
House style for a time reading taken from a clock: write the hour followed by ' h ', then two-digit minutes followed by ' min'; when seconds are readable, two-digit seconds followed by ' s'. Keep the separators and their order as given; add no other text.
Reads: 9 h 52 min
